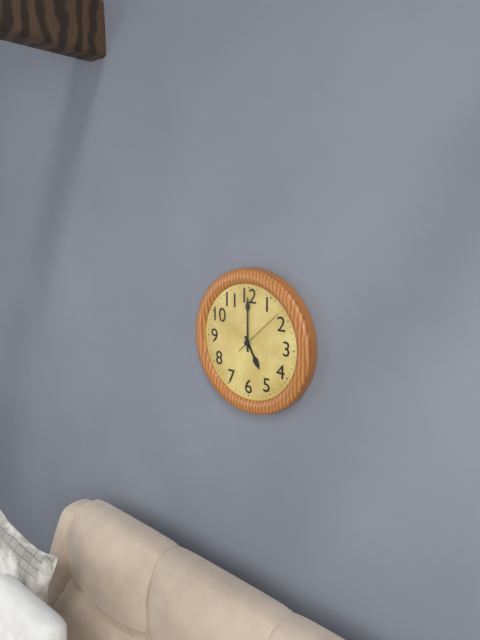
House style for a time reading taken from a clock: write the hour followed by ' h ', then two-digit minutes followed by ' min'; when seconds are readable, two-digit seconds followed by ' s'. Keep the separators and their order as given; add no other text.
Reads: 5 h 00 min 08 s
